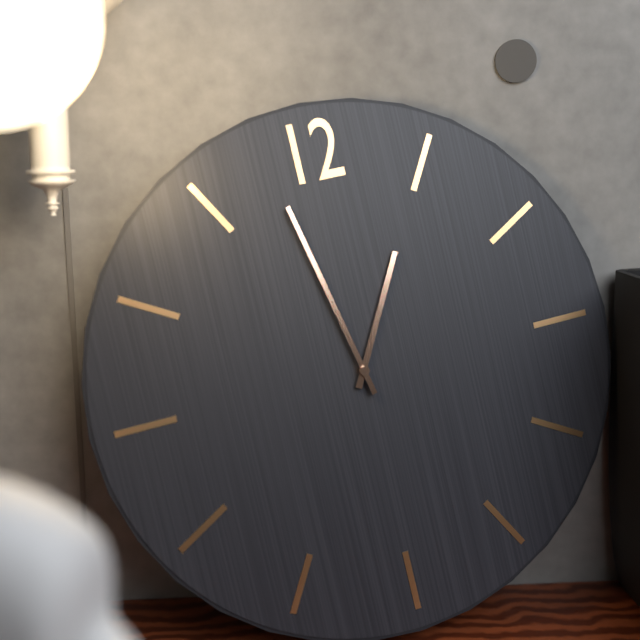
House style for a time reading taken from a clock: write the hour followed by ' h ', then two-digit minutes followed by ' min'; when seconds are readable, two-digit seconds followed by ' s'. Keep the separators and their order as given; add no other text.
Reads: 12 h 58 min
